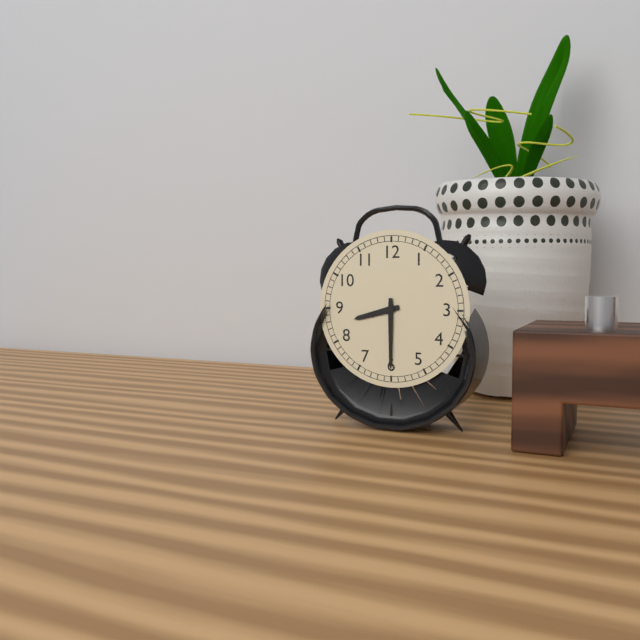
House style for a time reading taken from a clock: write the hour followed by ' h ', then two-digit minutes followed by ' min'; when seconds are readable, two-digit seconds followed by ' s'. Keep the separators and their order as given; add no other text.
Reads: 8 h 30 min
